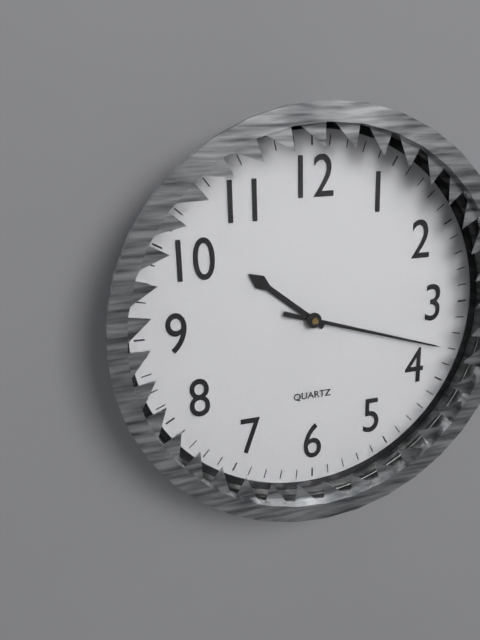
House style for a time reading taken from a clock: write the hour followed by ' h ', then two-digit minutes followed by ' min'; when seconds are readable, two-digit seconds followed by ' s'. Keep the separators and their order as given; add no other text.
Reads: 10 h 18 min
